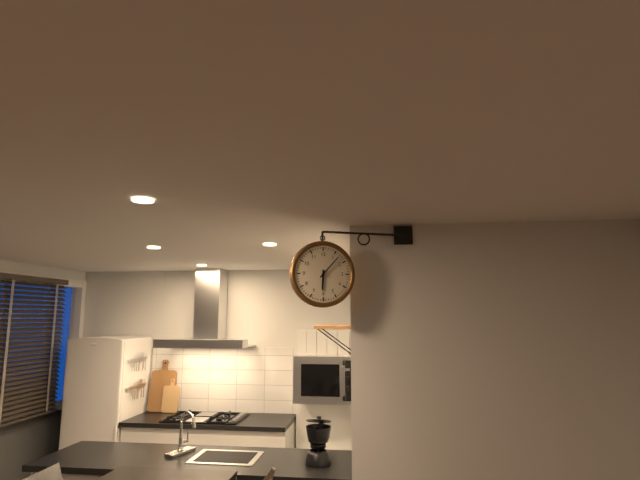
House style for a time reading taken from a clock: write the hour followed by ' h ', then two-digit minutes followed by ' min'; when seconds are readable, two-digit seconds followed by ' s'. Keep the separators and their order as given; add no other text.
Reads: 6 h 07 min
